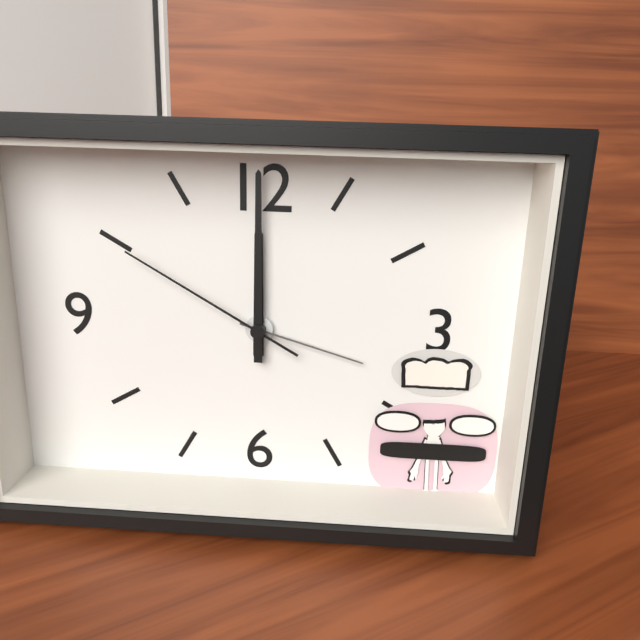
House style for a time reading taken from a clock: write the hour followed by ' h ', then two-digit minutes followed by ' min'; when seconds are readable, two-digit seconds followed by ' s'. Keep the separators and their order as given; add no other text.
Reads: 12 h 00 min 50 s
